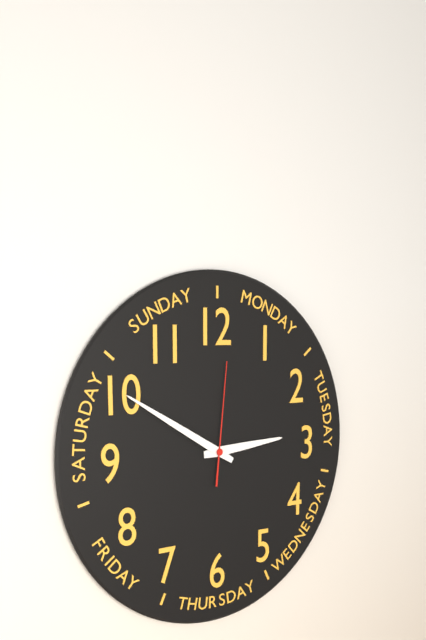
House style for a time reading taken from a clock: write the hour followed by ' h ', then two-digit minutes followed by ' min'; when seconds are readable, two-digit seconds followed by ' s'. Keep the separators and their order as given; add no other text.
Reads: 2 h 50 min 01 s
